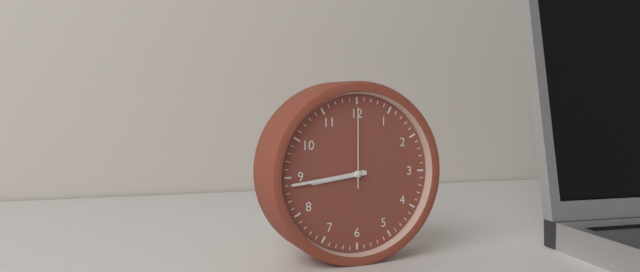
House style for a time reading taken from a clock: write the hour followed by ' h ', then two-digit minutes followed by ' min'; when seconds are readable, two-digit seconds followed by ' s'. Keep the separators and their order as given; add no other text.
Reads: 8 h 44 min 00 s
